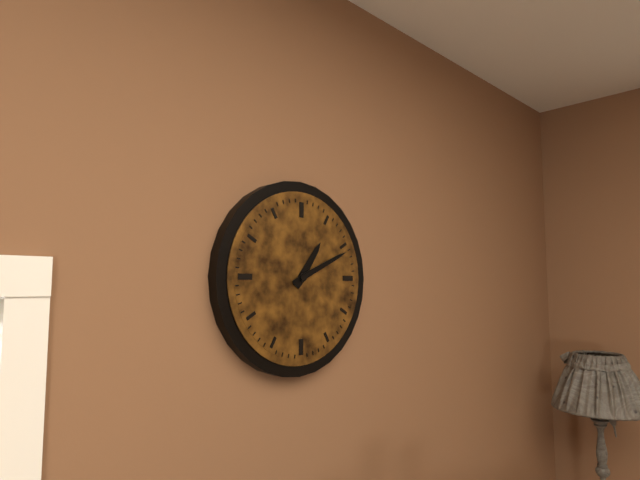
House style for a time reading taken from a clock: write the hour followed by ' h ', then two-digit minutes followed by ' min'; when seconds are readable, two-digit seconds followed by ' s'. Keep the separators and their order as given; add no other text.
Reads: 1 h 11 min
